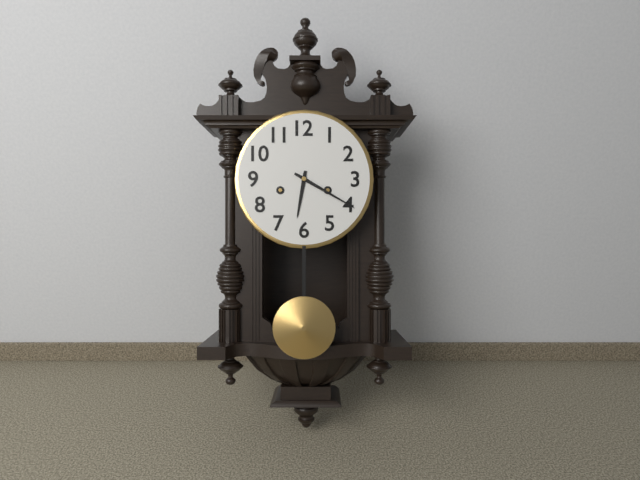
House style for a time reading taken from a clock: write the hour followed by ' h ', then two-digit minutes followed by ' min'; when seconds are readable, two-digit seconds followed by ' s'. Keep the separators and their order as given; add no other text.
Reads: 6 h 20 min
